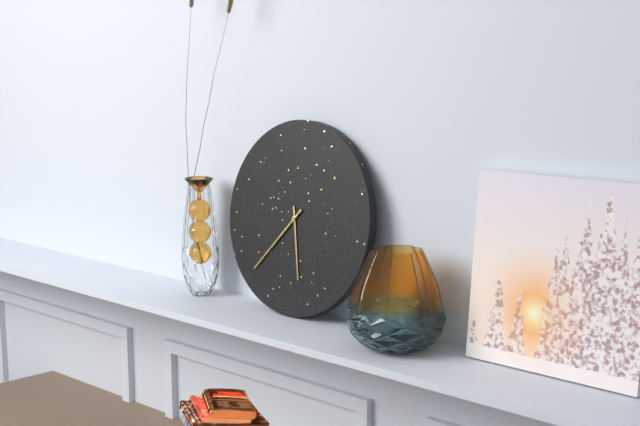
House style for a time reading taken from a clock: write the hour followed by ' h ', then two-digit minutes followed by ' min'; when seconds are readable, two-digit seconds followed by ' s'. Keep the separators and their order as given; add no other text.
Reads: 5 h 37 min
